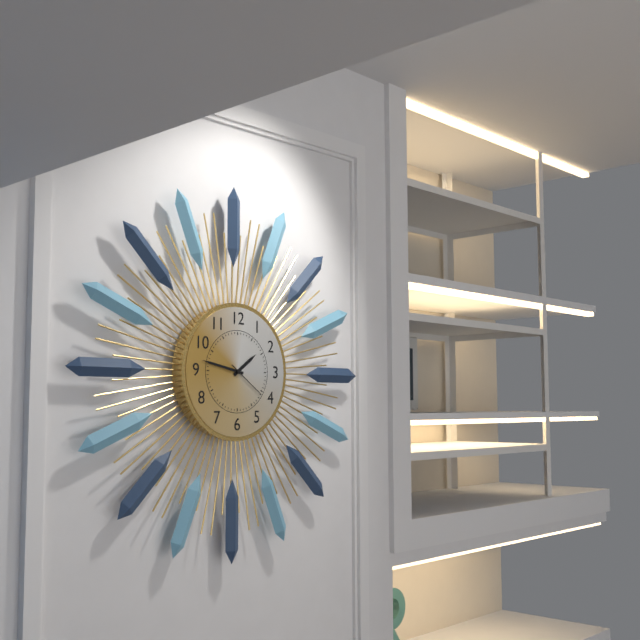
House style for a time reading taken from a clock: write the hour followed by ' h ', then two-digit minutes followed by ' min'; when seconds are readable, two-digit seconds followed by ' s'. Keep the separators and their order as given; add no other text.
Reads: 1 h 47 min
